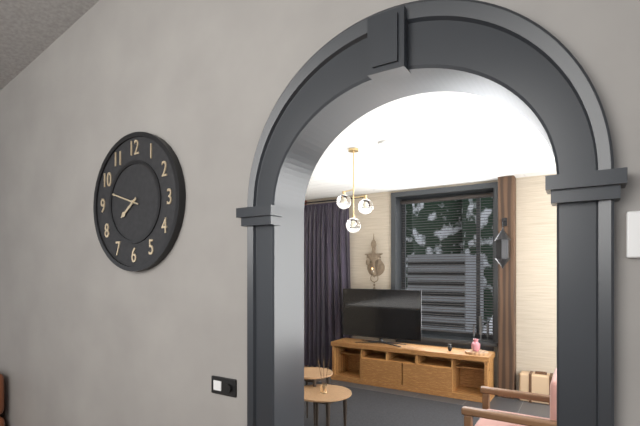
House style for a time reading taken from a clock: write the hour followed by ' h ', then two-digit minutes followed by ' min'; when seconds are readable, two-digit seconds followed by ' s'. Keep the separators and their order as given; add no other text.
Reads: 7 h 48 min
